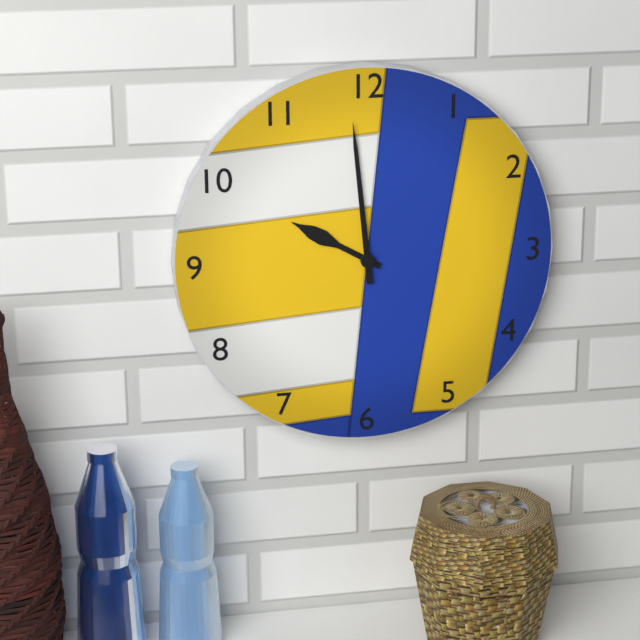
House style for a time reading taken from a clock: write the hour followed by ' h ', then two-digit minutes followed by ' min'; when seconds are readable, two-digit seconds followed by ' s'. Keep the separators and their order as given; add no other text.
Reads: 9 h 59 min
